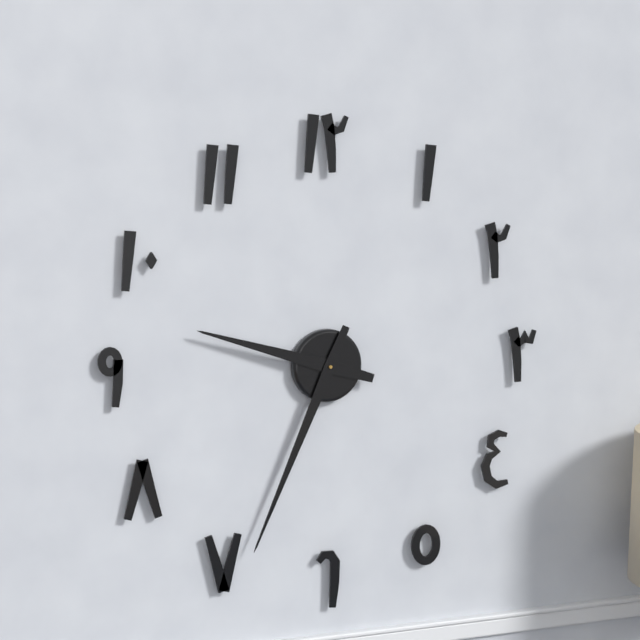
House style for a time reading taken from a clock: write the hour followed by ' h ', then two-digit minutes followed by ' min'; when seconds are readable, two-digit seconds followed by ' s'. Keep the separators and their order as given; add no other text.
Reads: 9 h 34 min
